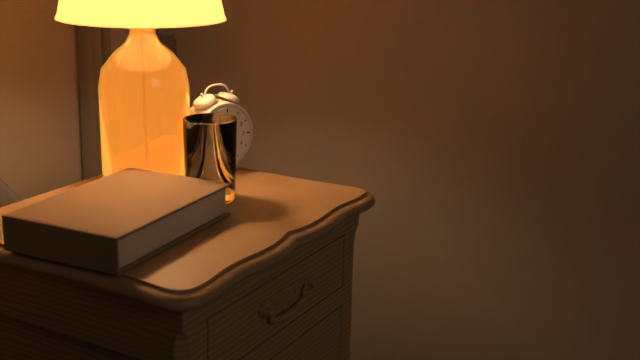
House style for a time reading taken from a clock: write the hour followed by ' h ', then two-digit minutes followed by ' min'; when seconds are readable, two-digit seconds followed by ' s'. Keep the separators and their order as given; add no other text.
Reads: 4 h 50 min
